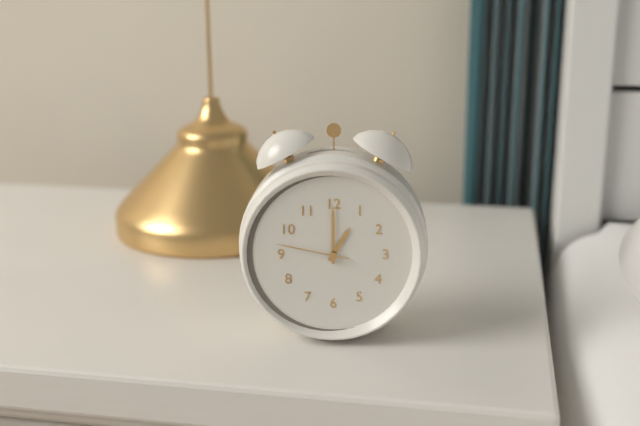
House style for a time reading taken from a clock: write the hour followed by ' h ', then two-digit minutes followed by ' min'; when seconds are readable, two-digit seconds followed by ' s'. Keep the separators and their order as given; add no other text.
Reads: 1 h 00 min 47 s
